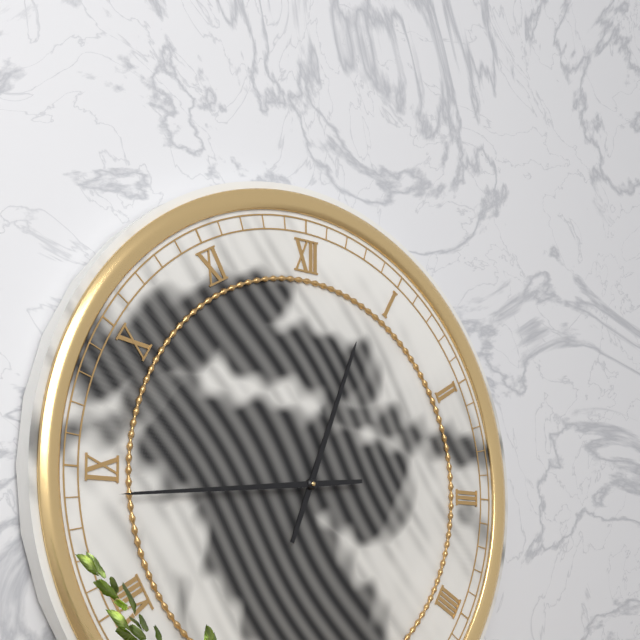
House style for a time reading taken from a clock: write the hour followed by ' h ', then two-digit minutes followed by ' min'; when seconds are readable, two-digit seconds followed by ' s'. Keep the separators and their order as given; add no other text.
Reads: 12 h 44 min
